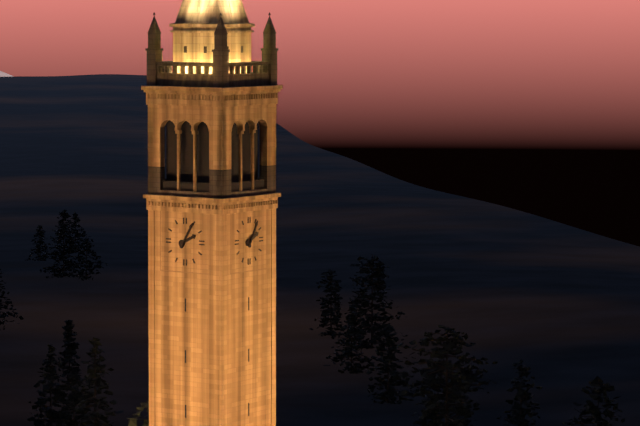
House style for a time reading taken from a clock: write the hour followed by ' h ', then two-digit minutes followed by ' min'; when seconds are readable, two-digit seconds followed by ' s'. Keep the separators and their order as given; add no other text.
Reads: 2 h 05 min
